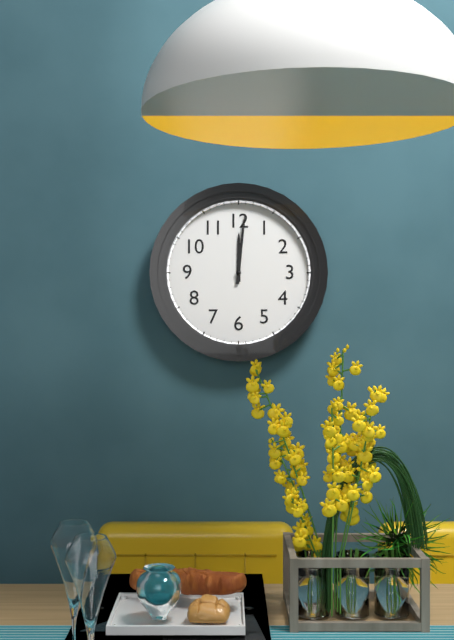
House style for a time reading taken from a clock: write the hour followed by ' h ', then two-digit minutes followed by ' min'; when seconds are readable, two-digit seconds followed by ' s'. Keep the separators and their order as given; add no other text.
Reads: 12 h 01 min
